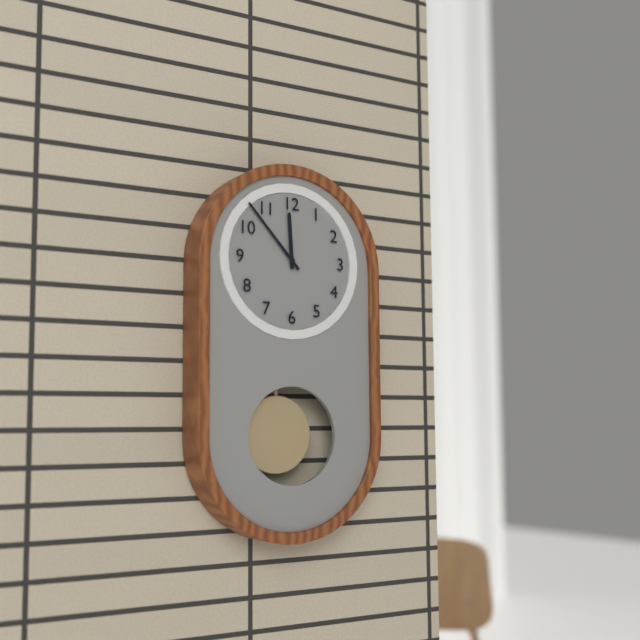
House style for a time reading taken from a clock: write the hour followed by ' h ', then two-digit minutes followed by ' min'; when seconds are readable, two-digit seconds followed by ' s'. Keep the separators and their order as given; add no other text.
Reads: 11 h 53 min
